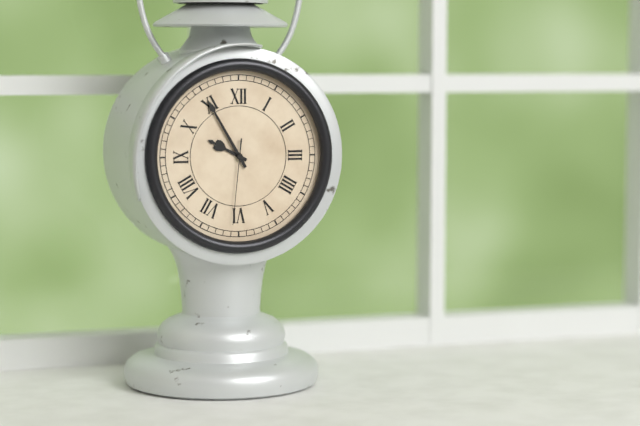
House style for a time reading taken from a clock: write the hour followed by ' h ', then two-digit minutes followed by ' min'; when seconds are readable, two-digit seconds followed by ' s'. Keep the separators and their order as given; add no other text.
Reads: 9 h 55 min 31 s
